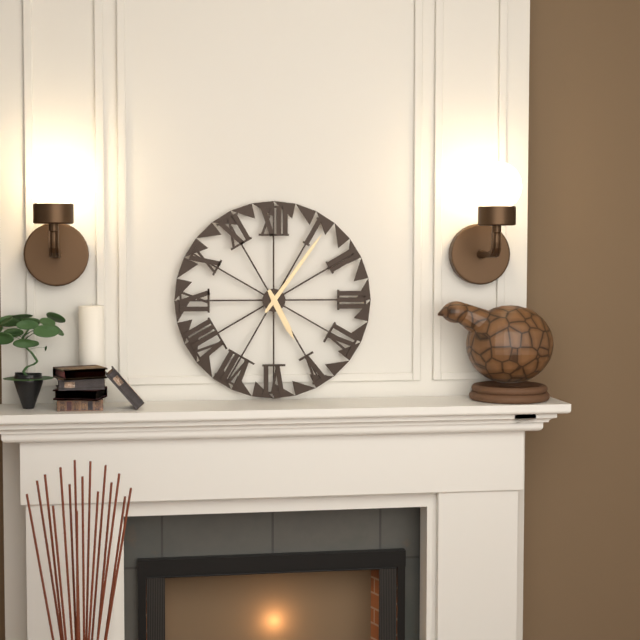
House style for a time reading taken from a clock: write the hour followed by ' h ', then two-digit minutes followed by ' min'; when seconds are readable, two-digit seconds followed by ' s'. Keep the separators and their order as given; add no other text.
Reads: 5 h 06 min
